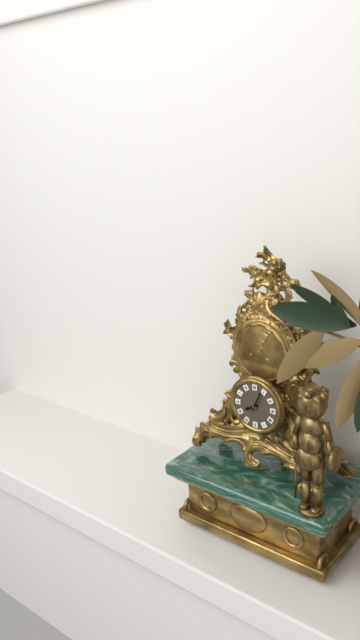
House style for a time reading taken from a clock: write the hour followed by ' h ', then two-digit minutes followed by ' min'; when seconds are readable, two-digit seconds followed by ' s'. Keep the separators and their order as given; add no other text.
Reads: 8 h 04 min
